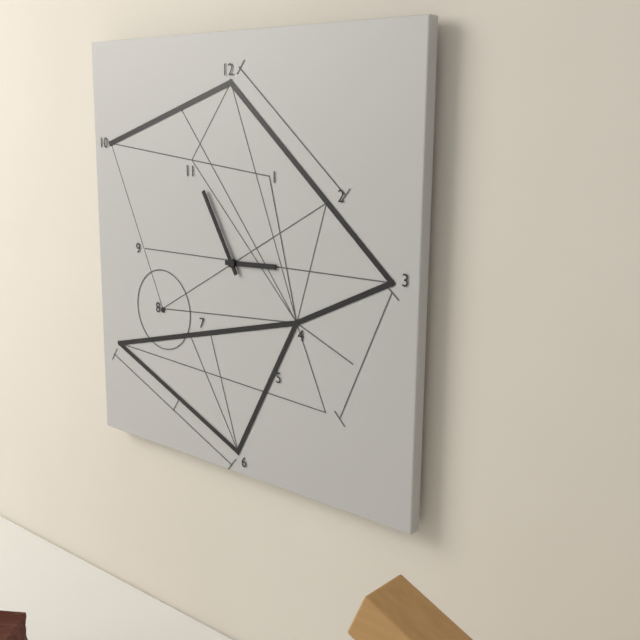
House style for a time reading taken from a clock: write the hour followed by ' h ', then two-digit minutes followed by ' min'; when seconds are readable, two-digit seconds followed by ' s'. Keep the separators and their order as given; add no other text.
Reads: 2 h 55 min
